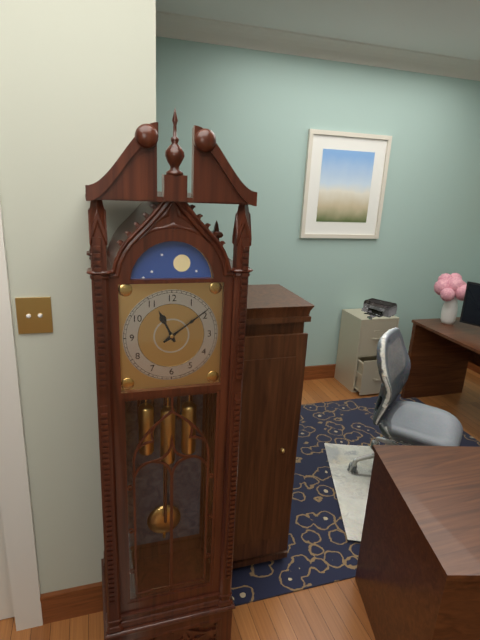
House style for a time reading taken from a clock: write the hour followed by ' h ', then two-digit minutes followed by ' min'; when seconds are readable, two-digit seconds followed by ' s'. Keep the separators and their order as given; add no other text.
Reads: 11 h 09 min
